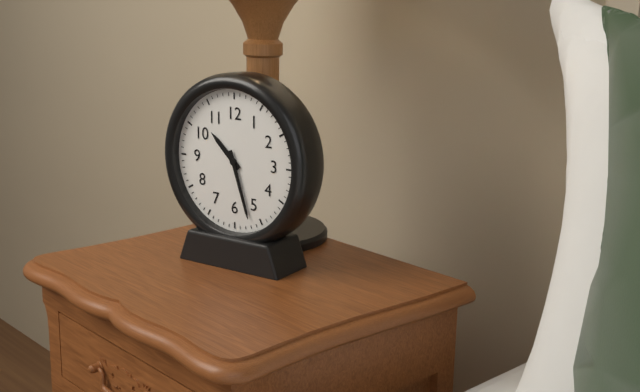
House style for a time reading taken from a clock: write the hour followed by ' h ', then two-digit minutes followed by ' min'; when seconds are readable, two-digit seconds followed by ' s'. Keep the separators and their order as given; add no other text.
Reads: 10 h 27 min
